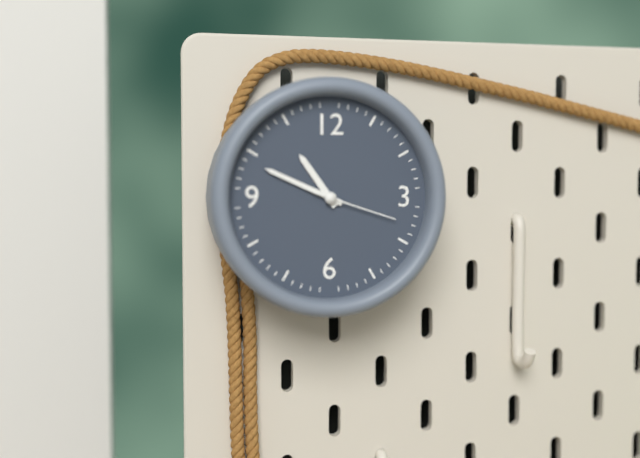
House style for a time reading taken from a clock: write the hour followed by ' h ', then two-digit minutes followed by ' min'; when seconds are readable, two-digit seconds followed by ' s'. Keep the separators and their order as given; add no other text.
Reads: 10 h 49 min 18 s
